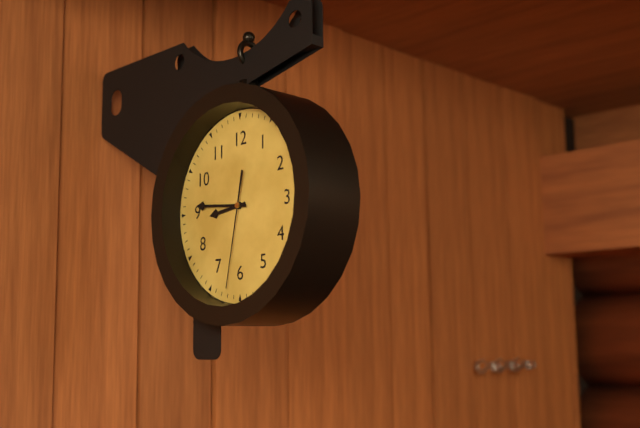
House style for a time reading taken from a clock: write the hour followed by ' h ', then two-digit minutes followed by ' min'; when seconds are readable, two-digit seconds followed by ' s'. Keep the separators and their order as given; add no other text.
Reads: 8 h 46 min 32 s
